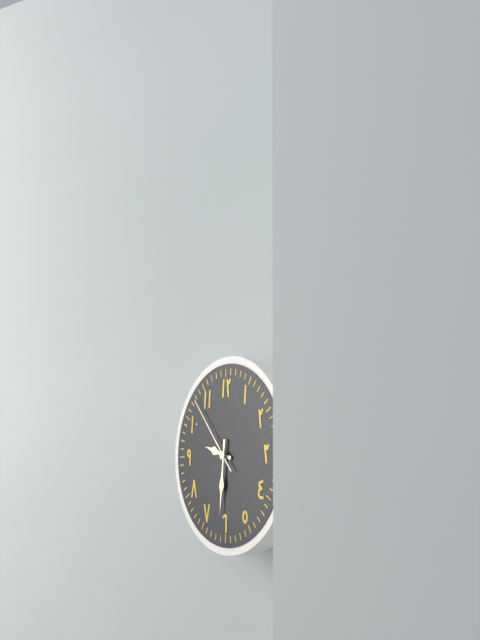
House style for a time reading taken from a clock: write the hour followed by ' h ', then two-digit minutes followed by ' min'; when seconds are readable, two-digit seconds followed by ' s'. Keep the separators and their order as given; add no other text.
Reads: 9 h 31 min 53 s
